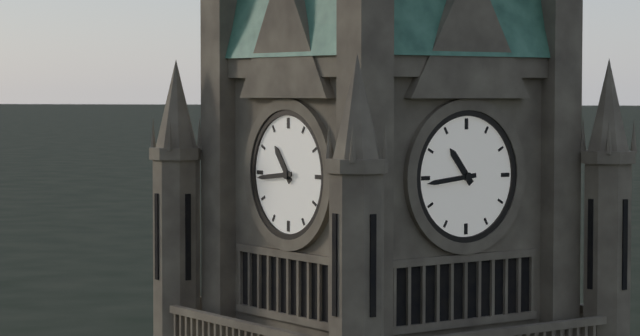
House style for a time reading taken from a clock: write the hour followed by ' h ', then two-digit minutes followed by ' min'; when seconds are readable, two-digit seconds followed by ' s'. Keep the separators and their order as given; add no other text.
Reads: 10 h 44 min
